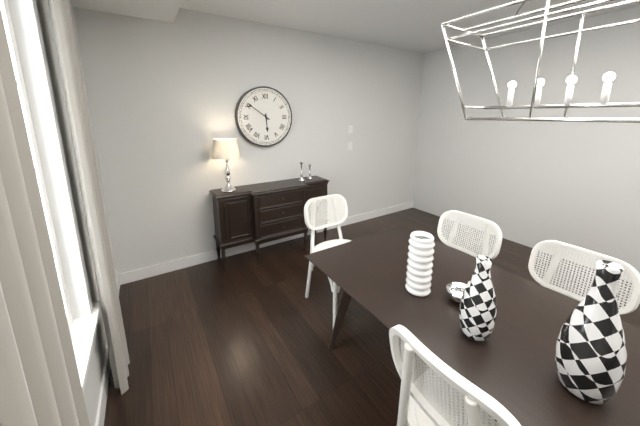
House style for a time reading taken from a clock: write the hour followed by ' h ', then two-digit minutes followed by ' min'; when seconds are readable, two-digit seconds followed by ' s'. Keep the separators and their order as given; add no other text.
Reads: 5 h 51 min
